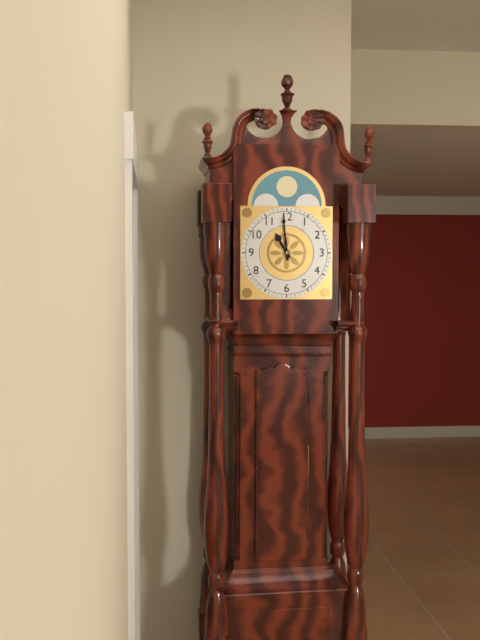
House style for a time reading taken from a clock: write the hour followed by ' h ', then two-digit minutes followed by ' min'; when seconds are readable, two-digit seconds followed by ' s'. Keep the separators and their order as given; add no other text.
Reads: 10 h 59 min
